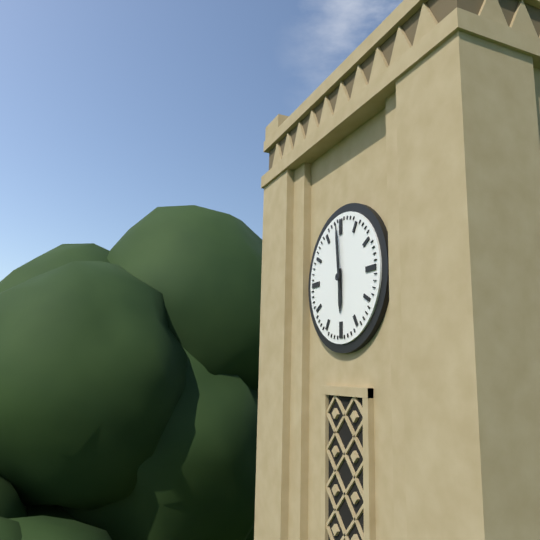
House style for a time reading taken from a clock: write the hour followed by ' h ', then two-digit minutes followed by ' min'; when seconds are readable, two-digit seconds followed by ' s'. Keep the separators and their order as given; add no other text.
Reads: 5 h 59 min
